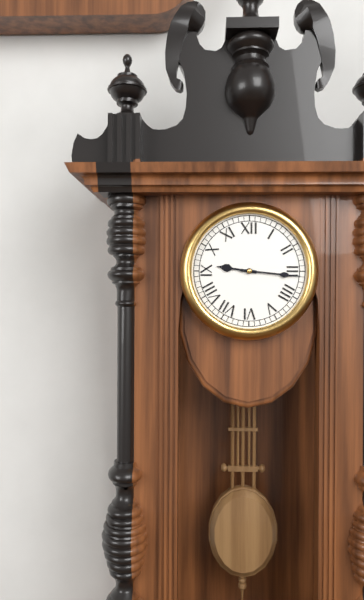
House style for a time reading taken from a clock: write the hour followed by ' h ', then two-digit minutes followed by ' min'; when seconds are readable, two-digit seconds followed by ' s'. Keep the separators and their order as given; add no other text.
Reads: 9 h 16 min
